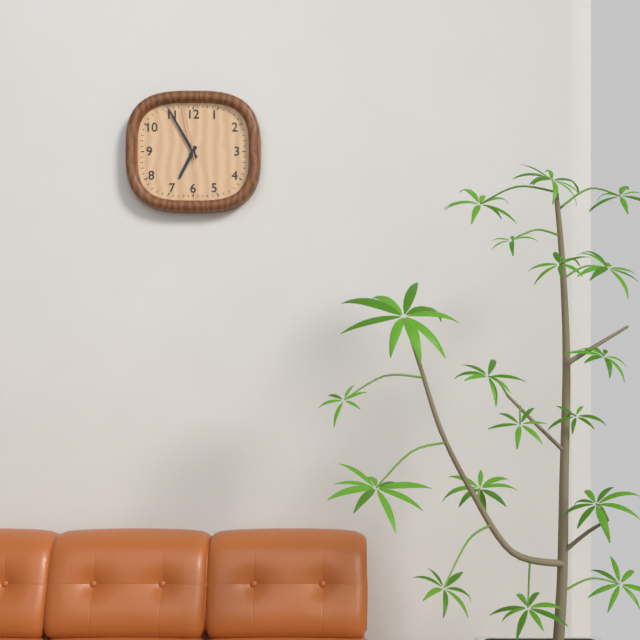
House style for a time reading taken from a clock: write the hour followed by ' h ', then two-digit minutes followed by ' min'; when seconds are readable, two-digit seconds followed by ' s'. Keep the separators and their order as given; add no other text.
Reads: 6 h 55 min 58 s
